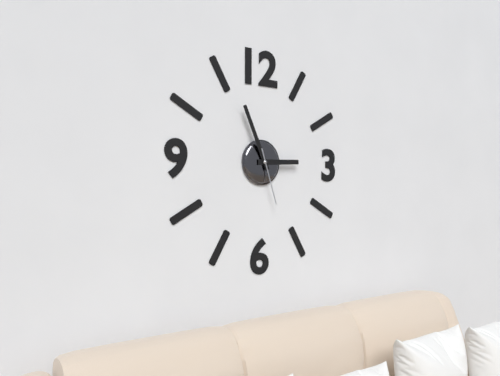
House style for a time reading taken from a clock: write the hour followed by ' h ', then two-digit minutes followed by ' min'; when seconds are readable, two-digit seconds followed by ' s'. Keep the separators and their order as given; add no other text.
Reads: 2 h 56 min 27 s
